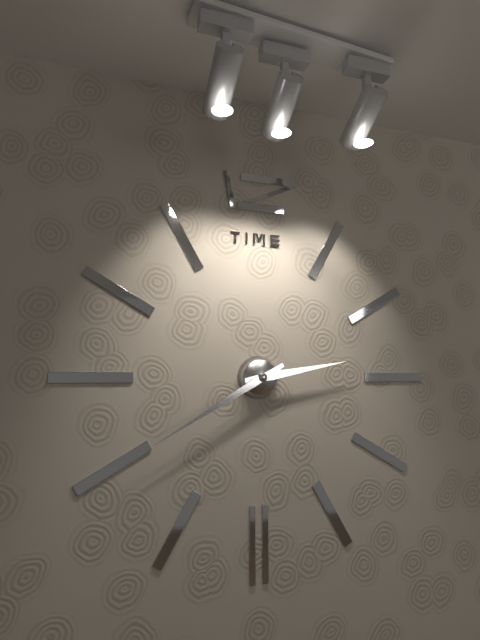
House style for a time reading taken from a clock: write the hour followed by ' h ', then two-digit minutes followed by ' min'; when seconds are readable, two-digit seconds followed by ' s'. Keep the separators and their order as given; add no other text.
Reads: 2 h 40 min
